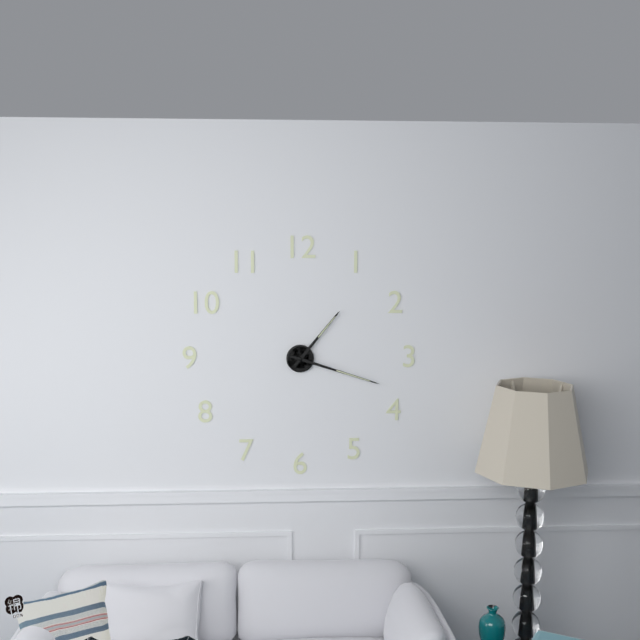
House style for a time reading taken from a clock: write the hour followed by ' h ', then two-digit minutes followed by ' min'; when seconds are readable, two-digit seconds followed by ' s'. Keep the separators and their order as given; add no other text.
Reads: 1 h 18 min
